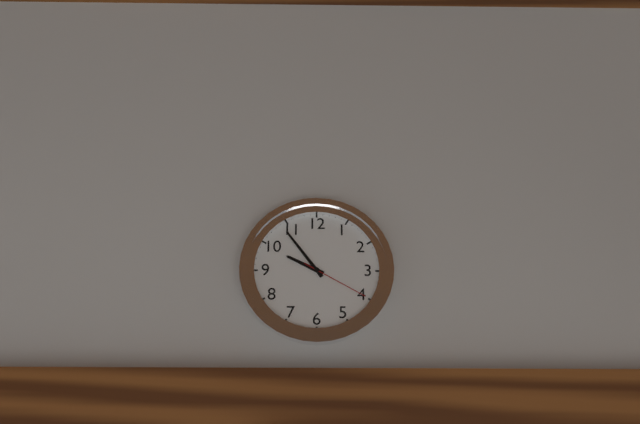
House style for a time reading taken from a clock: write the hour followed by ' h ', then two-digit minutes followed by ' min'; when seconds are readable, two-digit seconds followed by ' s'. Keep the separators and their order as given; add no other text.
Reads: 9 h 54 min 20 s
